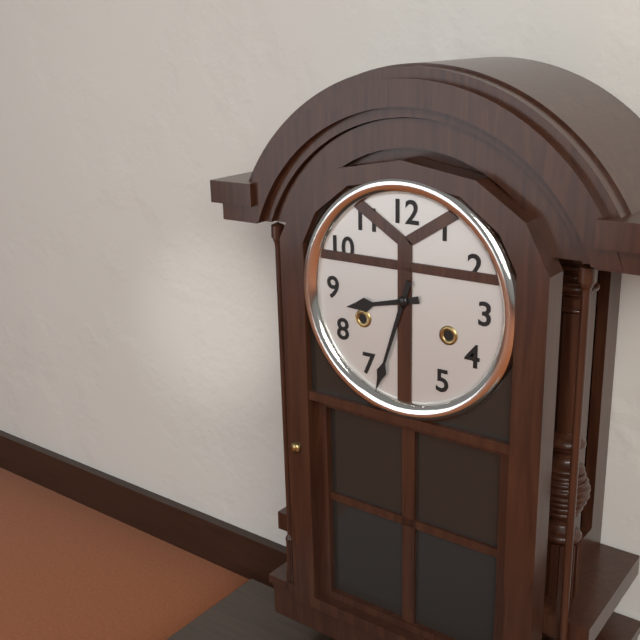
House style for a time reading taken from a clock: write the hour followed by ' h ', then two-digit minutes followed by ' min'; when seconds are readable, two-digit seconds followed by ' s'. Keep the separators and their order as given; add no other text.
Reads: 8 h 33 min
